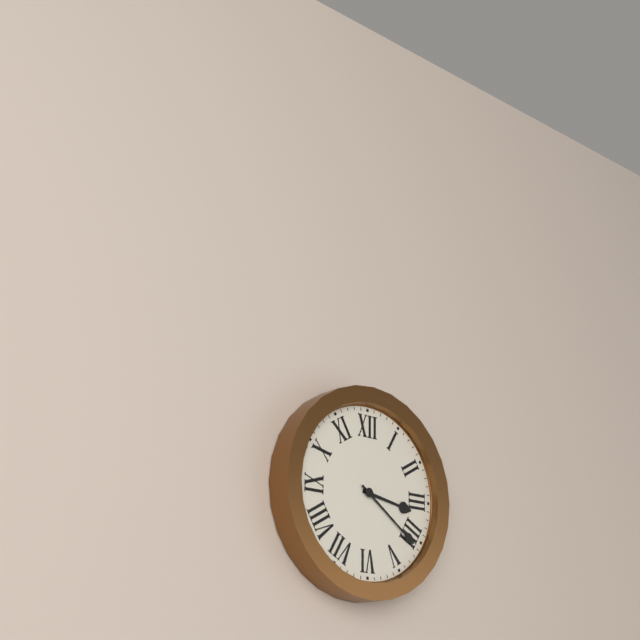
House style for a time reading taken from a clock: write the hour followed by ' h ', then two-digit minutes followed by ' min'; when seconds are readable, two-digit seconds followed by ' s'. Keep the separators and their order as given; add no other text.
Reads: 3 h 21 min
